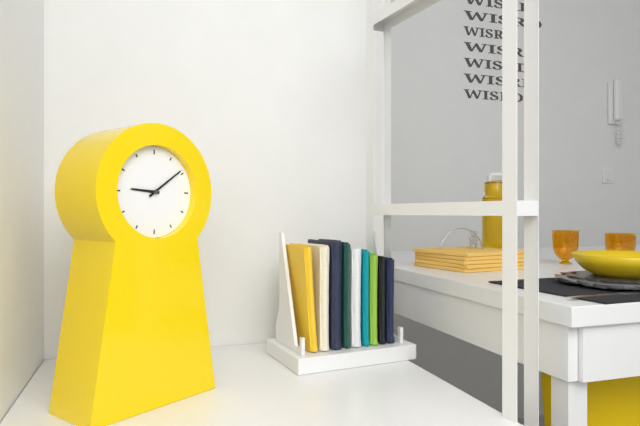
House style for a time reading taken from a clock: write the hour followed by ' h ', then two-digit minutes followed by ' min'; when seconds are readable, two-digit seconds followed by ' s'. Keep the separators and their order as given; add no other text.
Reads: 9 h 09 min
